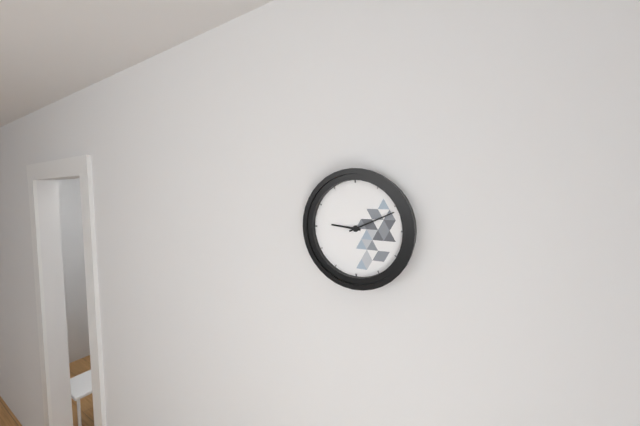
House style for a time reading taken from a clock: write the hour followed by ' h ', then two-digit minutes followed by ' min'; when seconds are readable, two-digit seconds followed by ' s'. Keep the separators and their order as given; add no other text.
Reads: 9 h 11 min
